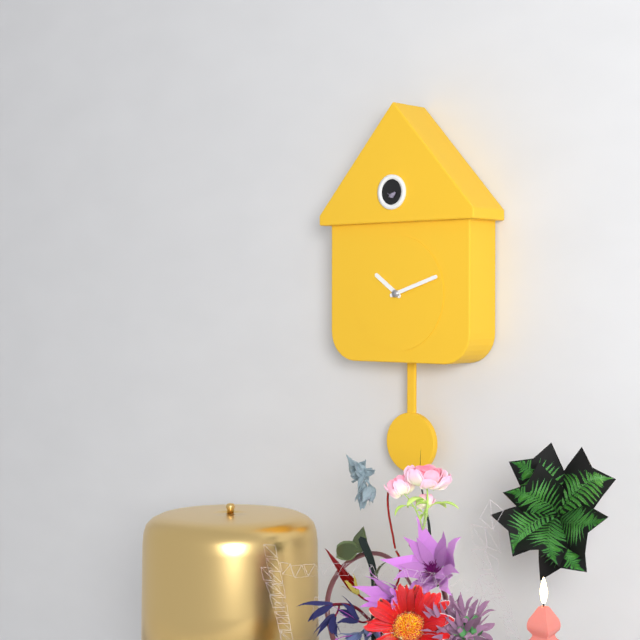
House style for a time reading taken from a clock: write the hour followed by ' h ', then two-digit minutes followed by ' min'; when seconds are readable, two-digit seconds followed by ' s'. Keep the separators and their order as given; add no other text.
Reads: 10 h 12 min
